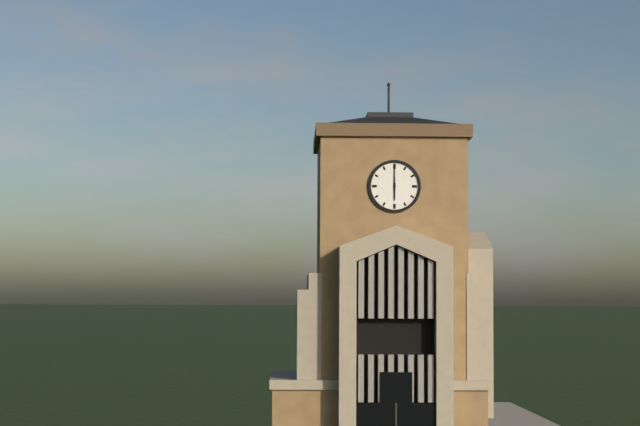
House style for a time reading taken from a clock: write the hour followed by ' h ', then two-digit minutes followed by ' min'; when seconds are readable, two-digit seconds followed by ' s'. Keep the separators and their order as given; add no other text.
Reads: 6 h 00 min
